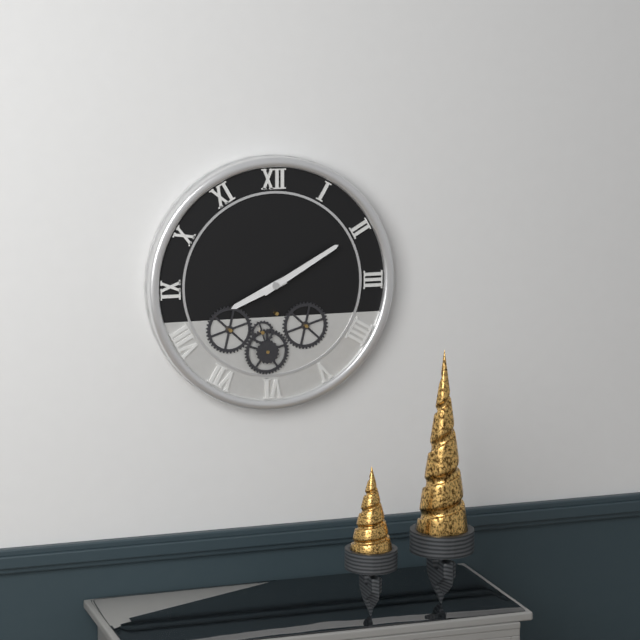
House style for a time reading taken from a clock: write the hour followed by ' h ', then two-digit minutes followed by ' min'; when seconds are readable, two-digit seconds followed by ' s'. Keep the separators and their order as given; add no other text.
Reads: 8 h 10 min
